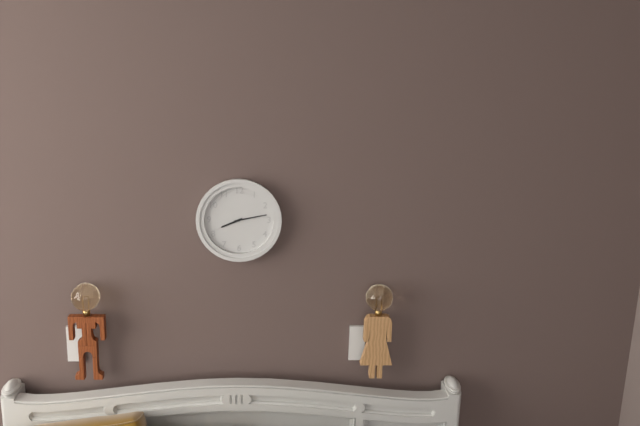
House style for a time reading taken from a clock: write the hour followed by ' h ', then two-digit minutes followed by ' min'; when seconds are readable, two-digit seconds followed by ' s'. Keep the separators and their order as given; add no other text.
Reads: 8 h 13 min
